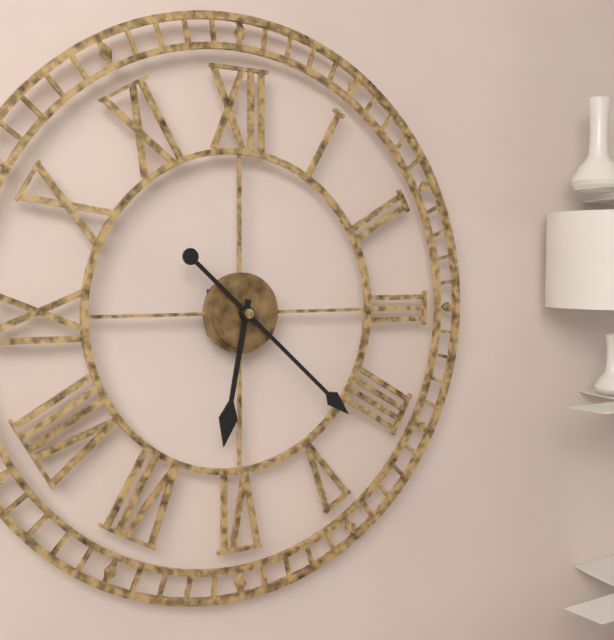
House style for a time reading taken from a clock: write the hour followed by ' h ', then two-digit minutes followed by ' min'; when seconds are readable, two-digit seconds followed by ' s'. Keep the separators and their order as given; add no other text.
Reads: 6 h 22 min
